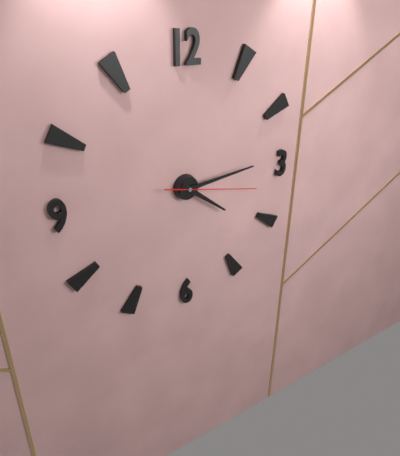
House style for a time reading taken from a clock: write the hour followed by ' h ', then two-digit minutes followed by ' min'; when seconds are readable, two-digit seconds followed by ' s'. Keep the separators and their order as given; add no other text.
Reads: 4 h 14 min 17 s
